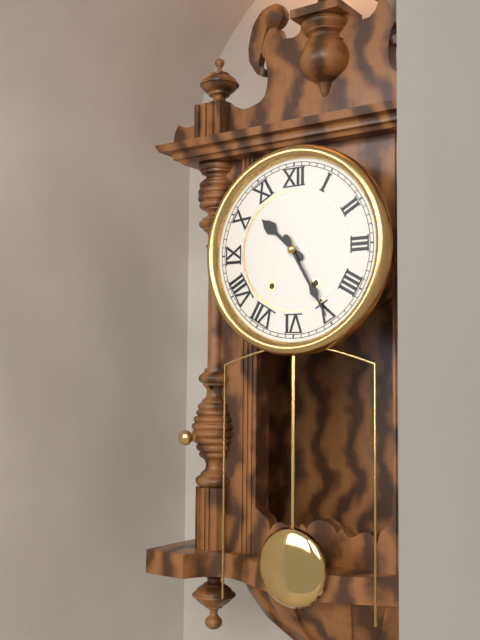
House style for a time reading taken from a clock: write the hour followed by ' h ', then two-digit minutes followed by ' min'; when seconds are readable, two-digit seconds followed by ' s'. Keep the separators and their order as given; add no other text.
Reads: 10 h 25 min
